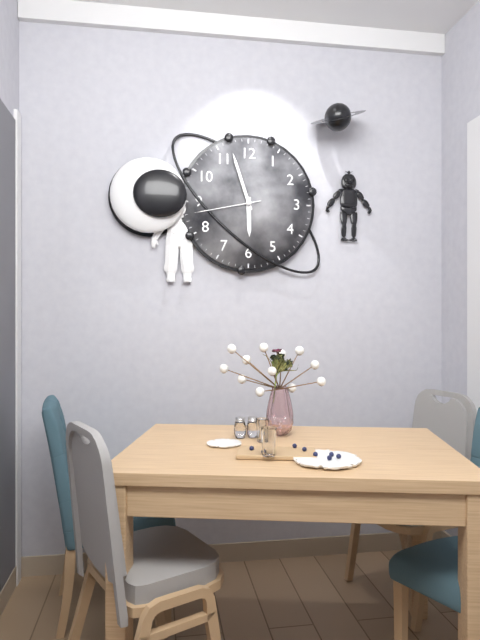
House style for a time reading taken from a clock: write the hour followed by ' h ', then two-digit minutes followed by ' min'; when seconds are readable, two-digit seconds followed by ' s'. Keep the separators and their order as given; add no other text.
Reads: 5 h 57 min 43 s
